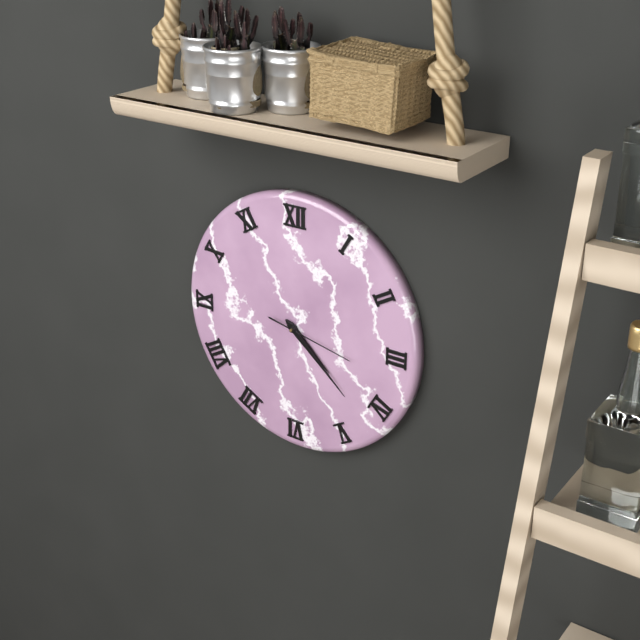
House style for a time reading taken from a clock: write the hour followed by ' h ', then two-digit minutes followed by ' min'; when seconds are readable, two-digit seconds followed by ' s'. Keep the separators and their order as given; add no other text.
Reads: 4 h 22 min 17 s
